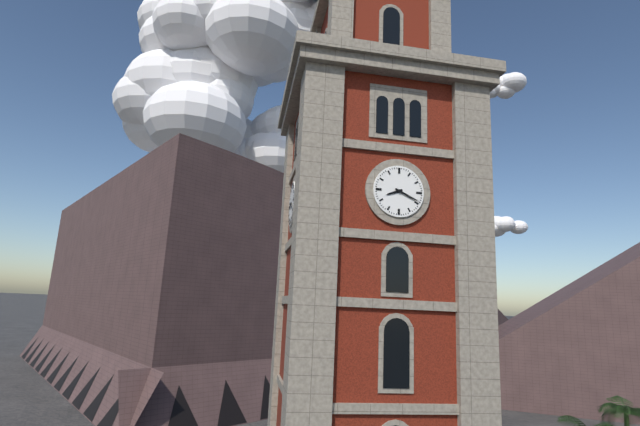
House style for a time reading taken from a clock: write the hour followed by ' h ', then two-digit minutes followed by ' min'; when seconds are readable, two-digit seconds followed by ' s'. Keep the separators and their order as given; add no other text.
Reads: 8 h 19 min
